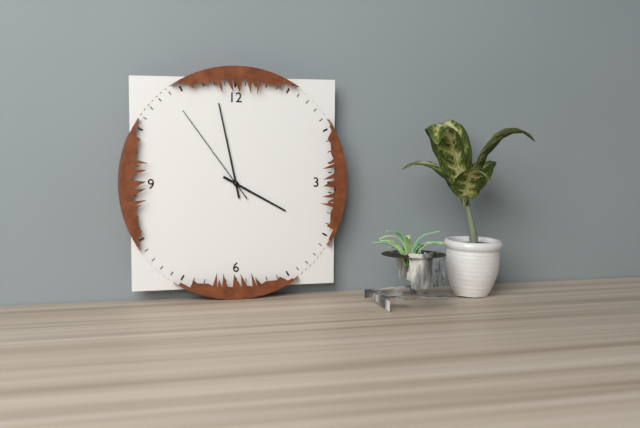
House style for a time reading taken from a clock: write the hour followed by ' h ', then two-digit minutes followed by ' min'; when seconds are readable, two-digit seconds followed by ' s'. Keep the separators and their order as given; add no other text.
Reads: 3 h 58 min 54 s
